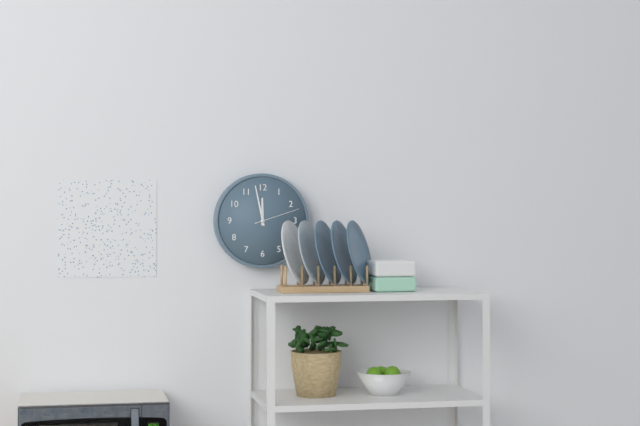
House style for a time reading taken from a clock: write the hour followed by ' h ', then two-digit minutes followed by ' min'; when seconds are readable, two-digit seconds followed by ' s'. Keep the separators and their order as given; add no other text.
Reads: 11 h 58 min
